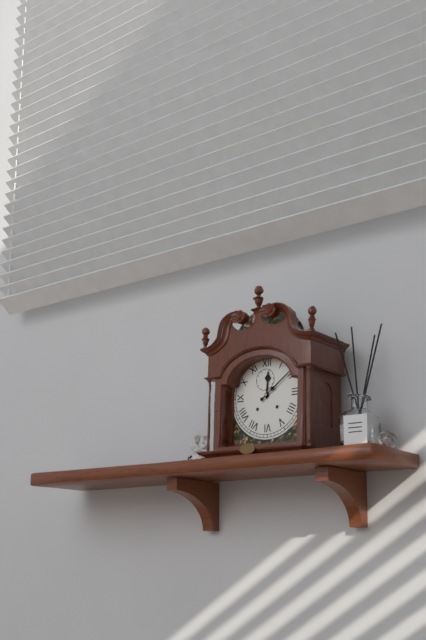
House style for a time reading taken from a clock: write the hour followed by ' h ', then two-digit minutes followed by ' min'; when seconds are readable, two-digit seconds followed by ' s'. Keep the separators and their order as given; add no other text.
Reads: 12 h 09 min
